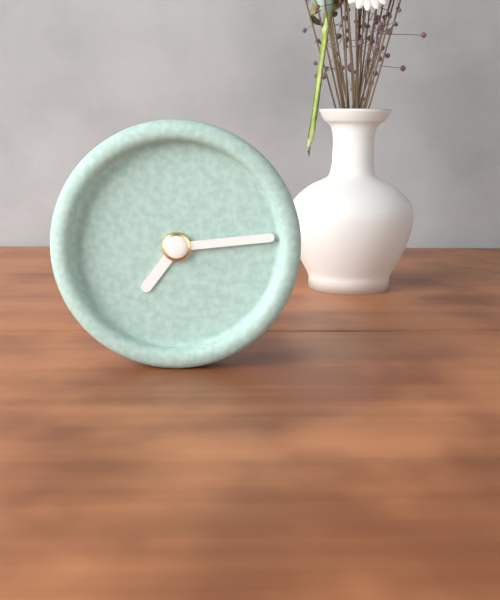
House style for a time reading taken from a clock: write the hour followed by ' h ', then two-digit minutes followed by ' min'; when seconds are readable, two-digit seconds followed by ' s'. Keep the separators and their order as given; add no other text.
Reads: 7 h 14 min
